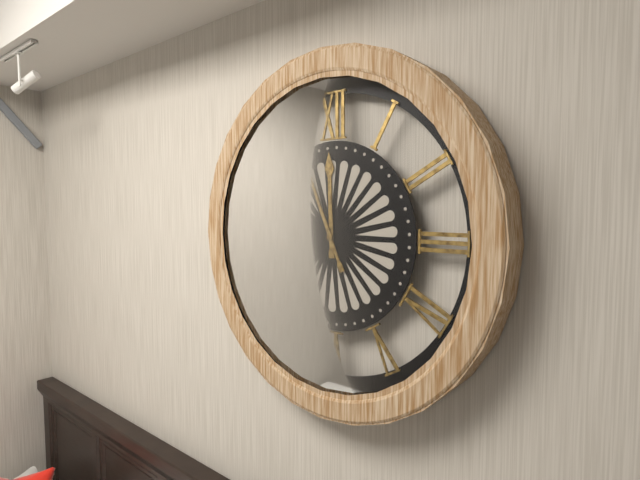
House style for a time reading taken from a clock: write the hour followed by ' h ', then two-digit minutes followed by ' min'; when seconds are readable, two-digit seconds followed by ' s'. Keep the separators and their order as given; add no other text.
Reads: 11 h 56 min
